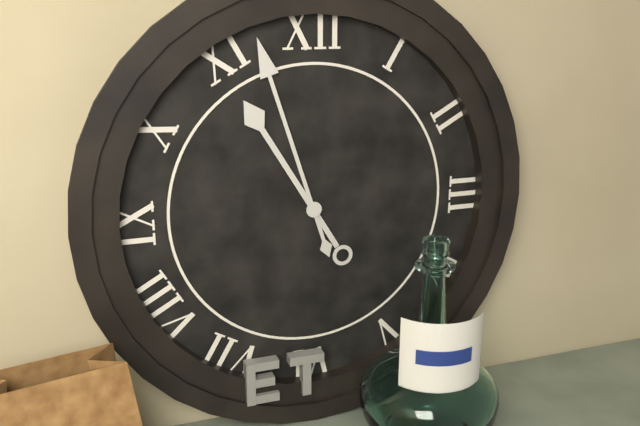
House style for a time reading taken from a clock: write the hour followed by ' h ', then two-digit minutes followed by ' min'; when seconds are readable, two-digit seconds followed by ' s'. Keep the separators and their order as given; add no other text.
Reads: 10 h 57 min
